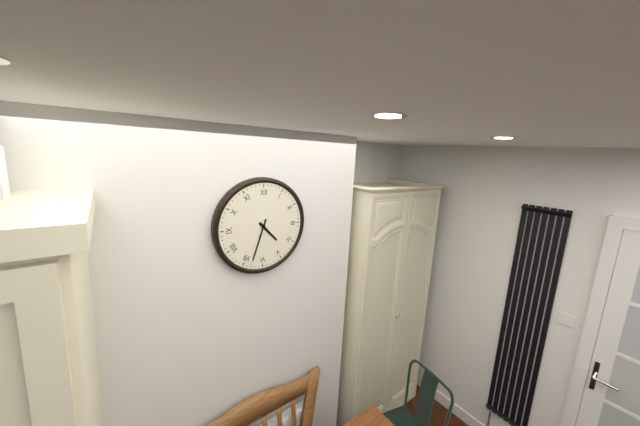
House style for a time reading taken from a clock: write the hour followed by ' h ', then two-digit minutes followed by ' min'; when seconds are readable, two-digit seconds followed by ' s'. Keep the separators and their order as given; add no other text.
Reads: 4 h 33 min
